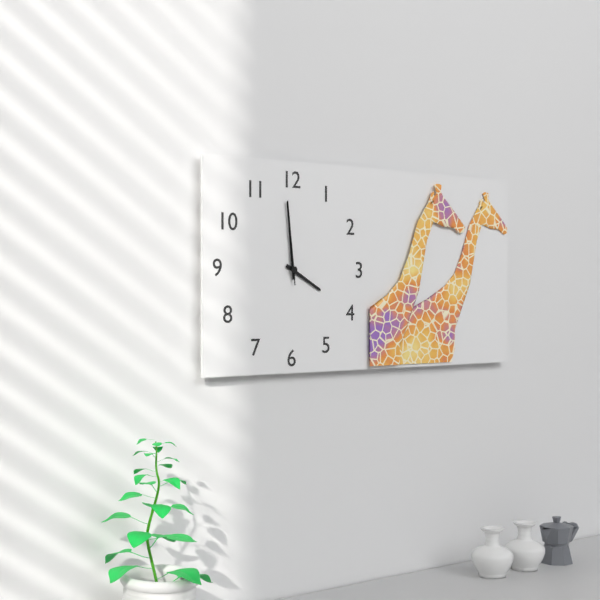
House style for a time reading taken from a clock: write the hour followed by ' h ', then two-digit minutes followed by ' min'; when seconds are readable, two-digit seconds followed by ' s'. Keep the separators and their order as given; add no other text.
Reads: 3 h 59 min 59 s
